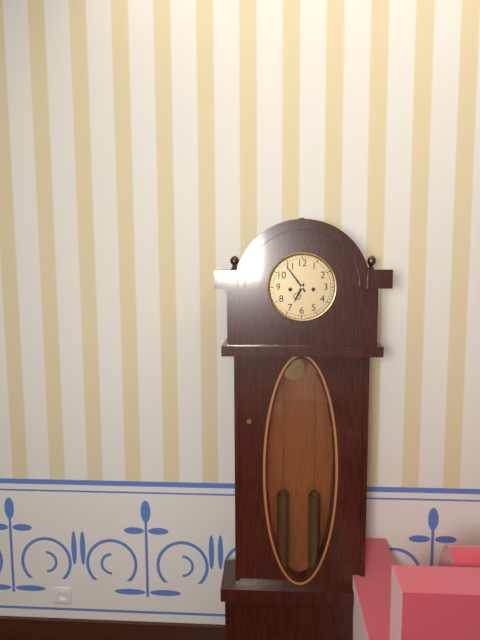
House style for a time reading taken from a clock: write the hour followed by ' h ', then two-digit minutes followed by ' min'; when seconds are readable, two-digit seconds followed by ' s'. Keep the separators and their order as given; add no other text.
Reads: 6 h 54 min
